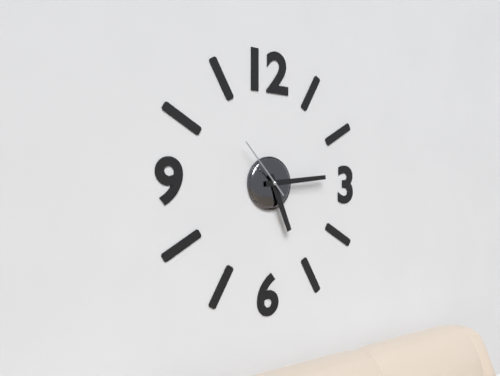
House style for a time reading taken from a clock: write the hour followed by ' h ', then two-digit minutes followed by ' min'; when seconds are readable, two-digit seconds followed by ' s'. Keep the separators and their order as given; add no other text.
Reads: 5 h 14 min 53 s
